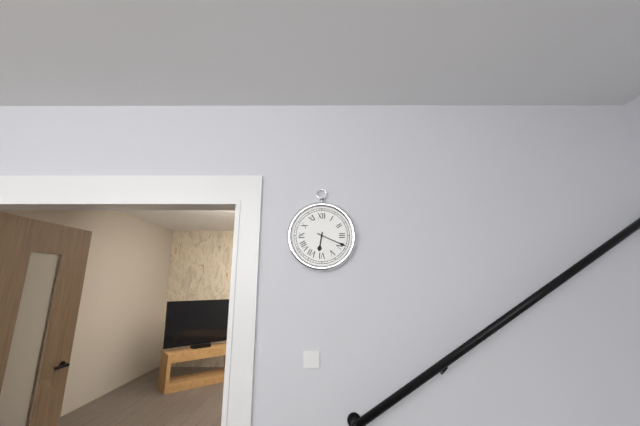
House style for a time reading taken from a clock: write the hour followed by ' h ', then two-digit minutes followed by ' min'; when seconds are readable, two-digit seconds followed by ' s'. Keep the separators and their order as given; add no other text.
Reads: 6 h 19 min
